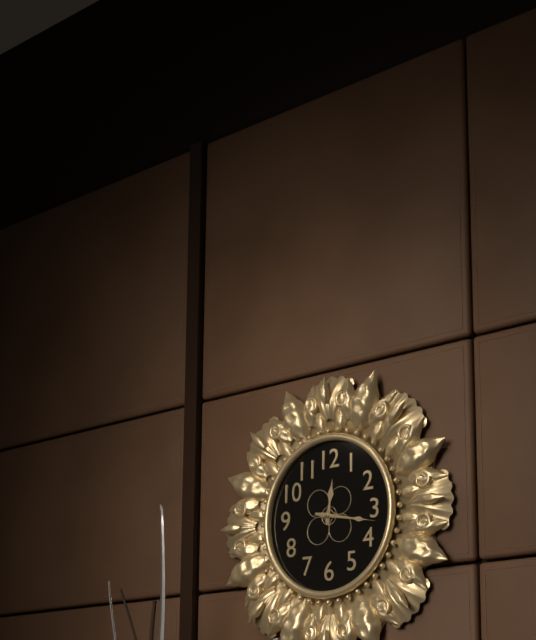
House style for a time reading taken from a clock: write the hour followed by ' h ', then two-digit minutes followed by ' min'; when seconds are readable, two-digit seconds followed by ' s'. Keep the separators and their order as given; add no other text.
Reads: 12 h 17 min 17 s
